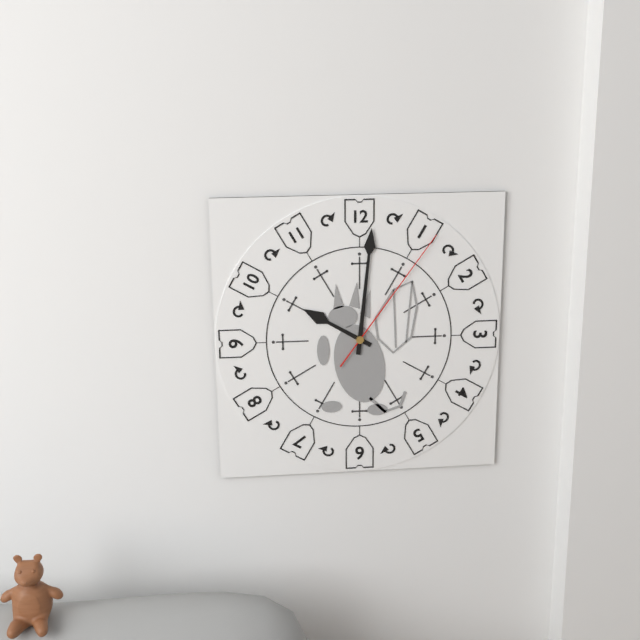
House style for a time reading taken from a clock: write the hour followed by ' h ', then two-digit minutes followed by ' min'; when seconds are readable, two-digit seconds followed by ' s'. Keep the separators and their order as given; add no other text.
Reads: 10 h 01 min 06 s
